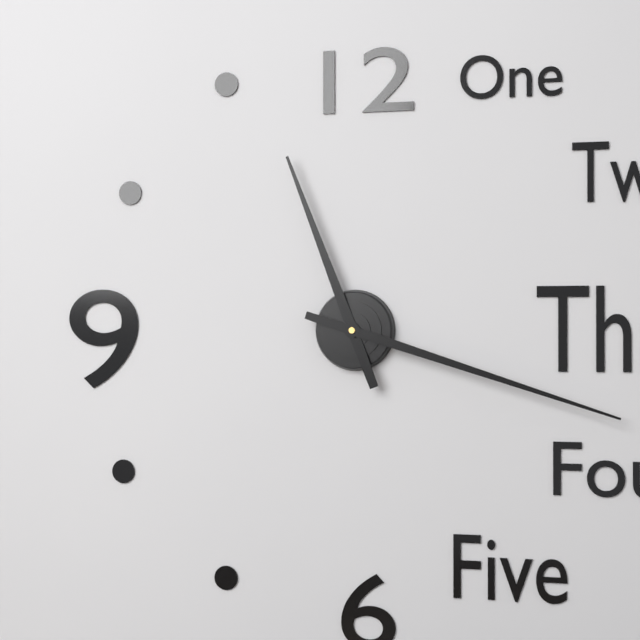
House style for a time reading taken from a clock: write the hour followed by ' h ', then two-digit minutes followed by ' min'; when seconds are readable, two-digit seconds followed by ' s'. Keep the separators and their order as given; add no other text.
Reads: 11 h 18 min
